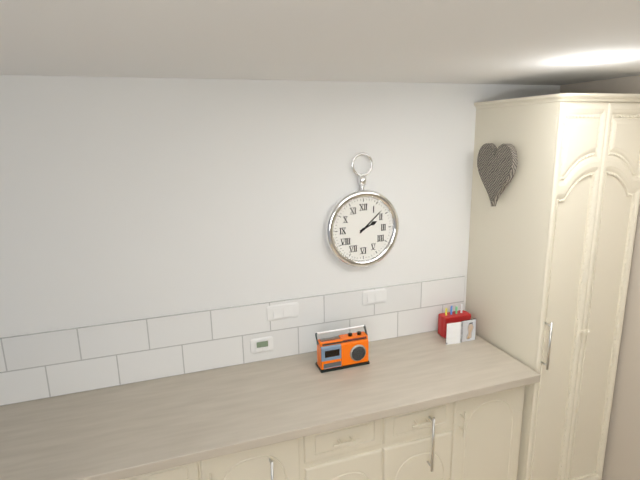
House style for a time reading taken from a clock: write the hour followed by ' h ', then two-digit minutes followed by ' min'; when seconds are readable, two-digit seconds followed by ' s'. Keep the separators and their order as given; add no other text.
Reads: 2 h 08 min
